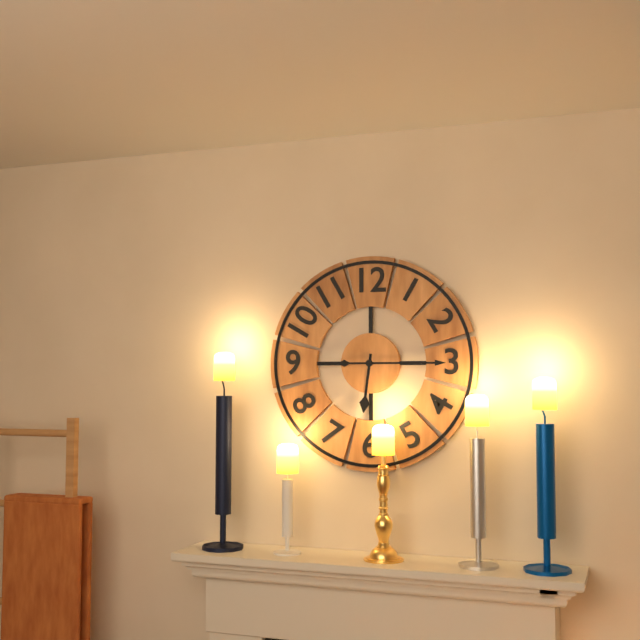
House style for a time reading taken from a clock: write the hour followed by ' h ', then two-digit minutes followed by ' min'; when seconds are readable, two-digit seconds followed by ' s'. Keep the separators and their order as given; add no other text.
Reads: 6 h 15 min
